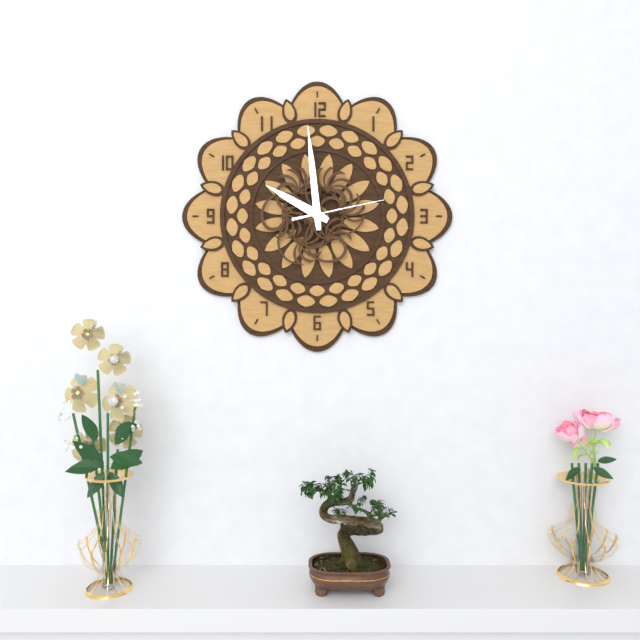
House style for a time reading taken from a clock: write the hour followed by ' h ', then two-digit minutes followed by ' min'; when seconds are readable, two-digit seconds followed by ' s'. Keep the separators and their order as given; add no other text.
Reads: 9 h 59 min 13 s
